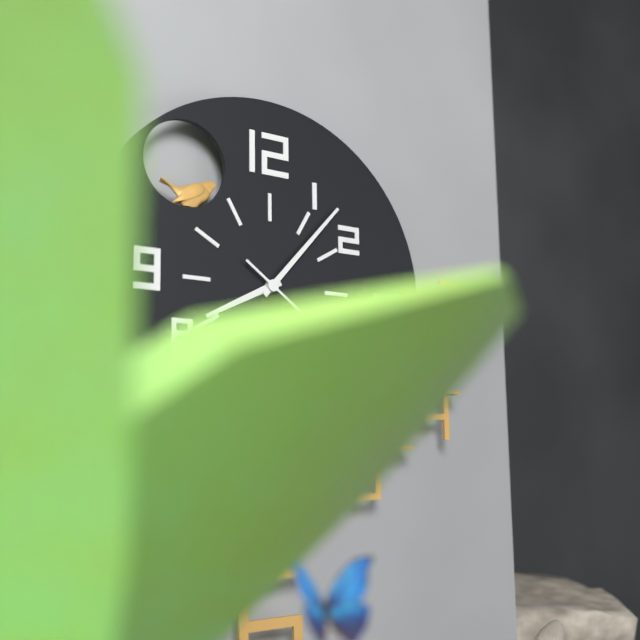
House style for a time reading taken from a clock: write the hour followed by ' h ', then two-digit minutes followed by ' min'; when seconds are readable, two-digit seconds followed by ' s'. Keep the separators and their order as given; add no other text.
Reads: 8 h 07 min
